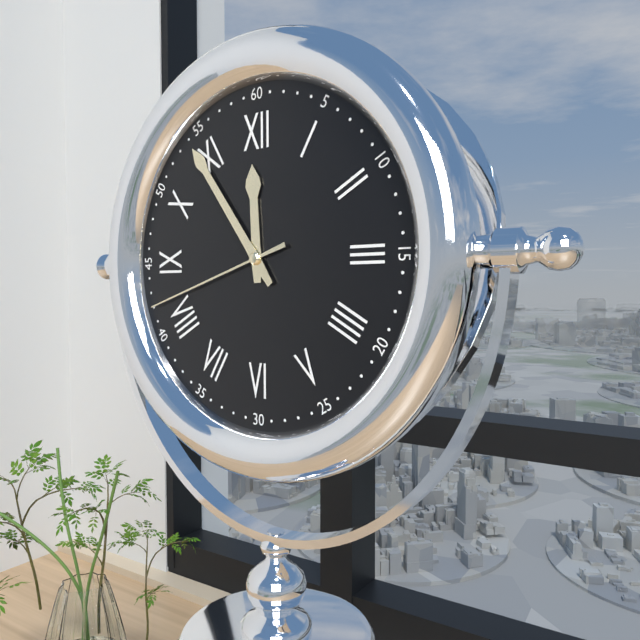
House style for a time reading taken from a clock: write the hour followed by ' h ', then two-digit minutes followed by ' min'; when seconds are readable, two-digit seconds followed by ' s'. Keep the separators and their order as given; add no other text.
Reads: 11 h 54 min 42 s
